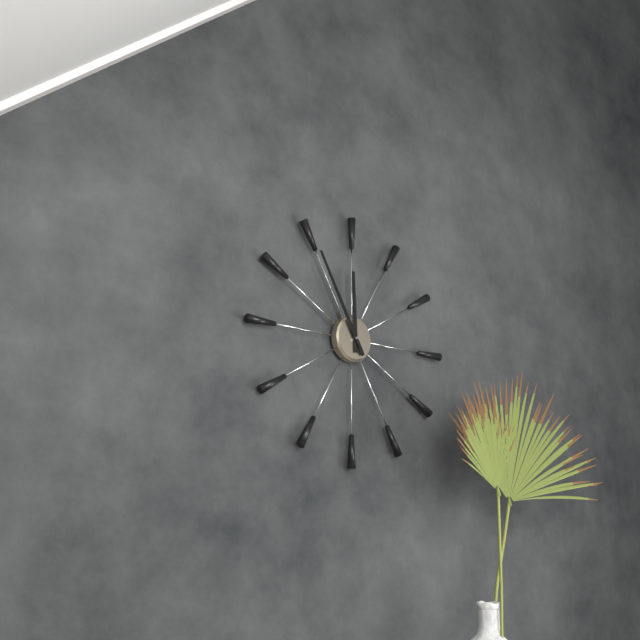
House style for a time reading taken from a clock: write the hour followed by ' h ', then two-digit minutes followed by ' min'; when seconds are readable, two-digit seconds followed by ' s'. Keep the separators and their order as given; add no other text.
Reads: 11 h 55 min
